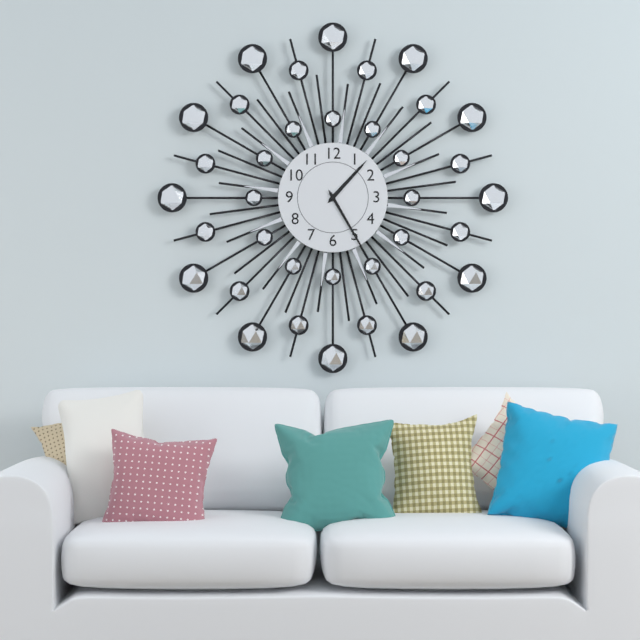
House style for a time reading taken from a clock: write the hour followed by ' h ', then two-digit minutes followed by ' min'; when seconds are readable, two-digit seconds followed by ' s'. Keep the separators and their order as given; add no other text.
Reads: 1 h 25 min
